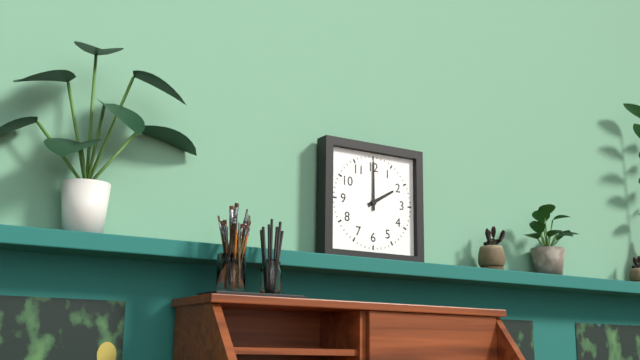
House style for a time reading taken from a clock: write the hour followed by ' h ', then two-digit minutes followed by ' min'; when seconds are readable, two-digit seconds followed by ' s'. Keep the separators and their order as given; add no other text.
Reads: 2 h 00 min
